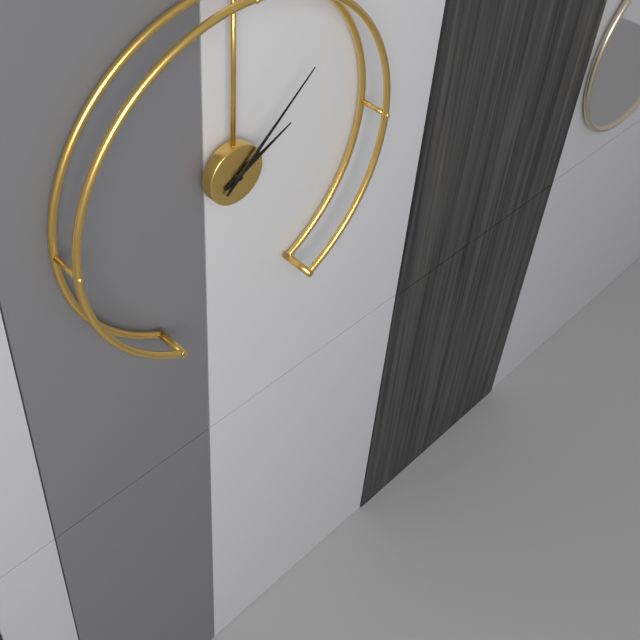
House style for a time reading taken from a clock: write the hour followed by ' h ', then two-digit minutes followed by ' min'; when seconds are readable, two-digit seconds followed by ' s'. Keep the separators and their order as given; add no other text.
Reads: 2 h 08 min
